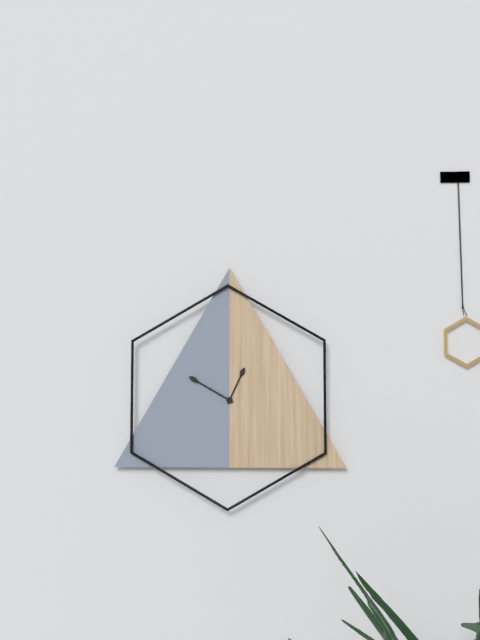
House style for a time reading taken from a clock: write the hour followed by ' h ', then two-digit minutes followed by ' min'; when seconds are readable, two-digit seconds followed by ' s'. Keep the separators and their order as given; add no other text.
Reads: 12 h 50 min
